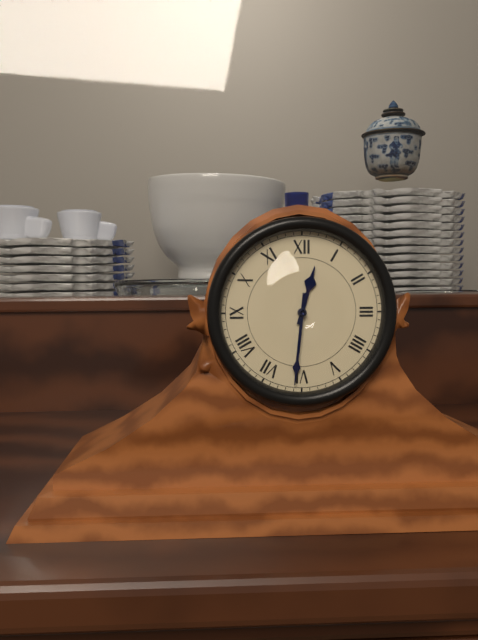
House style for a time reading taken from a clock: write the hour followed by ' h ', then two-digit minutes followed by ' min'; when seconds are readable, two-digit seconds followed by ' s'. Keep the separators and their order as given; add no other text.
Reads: 12 h 31 min
